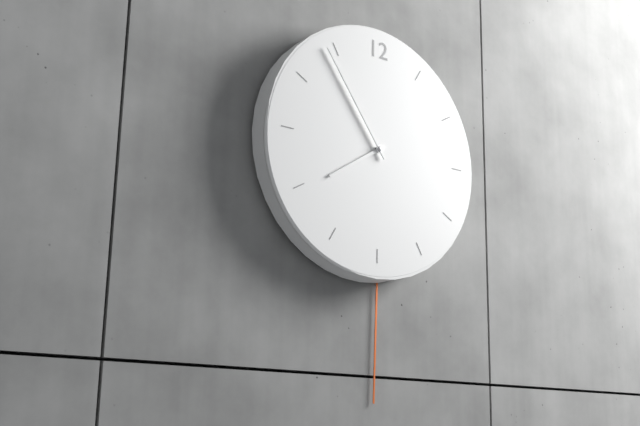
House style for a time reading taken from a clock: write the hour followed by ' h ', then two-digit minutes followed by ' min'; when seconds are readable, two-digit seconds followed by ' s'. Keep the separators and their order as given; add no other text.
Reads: 7 h 54 min
